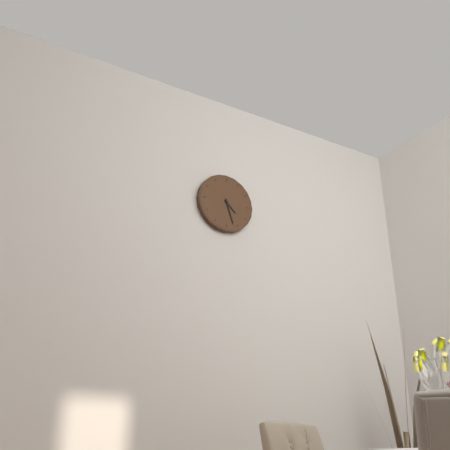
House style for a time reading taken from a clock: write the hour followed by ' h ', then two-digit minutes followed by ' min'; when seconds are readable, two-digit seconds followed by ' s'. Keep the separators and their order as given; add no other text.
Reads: 4 h 27 min
